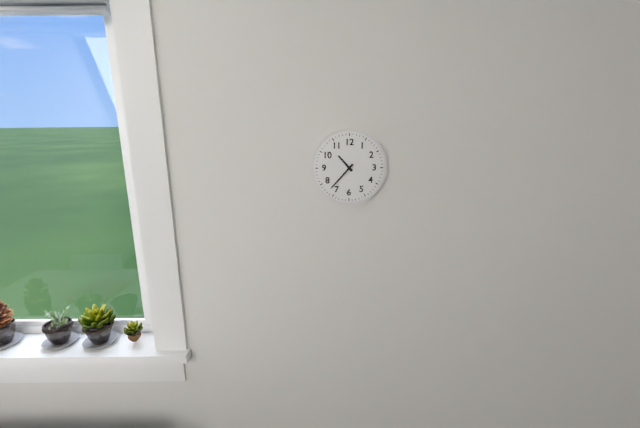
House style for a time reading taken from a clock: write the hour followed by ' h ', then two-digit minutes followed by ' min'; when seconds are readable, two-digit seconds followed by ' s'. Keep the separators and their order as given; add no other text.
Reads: 10 h 37 min
